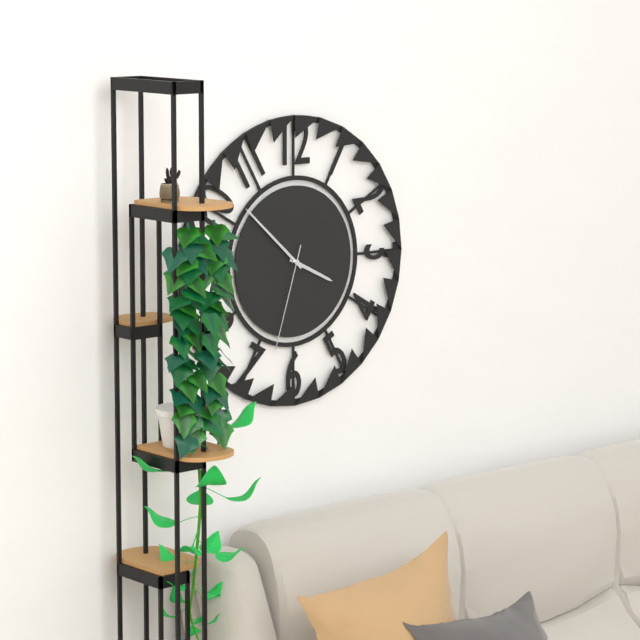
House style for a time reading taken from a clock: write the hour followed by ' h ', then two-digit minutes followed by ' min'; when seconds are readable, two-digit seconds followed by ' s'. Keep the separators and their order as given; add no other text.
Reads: 3 h 52 min 33 s
